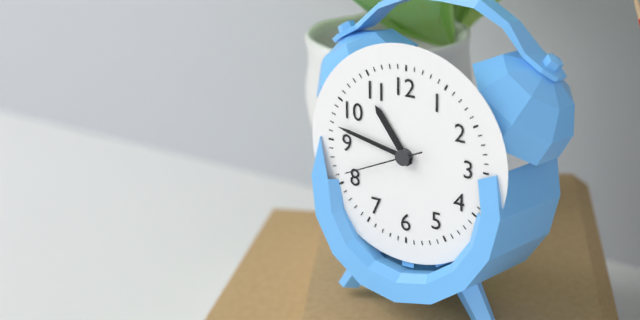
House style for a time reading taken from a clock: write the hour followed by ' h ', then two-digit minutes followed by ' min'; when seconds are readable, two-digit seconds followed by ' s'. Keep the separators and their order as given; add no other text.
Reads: 10 h 47 min 41 s
